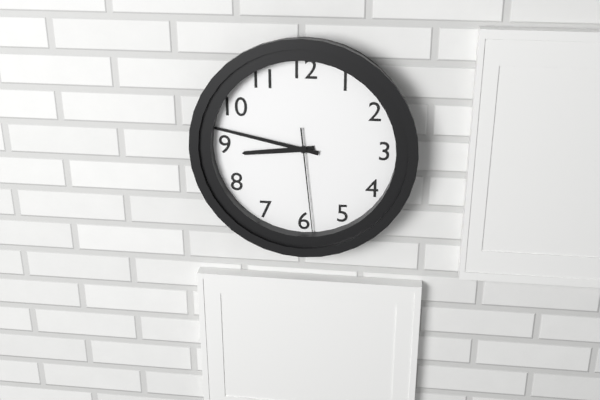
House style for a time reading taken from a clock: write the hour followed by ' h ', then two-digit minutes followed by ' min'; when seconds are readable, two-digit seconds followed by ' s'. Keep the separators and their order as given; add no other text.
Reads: 8 h 47 min 29 s
